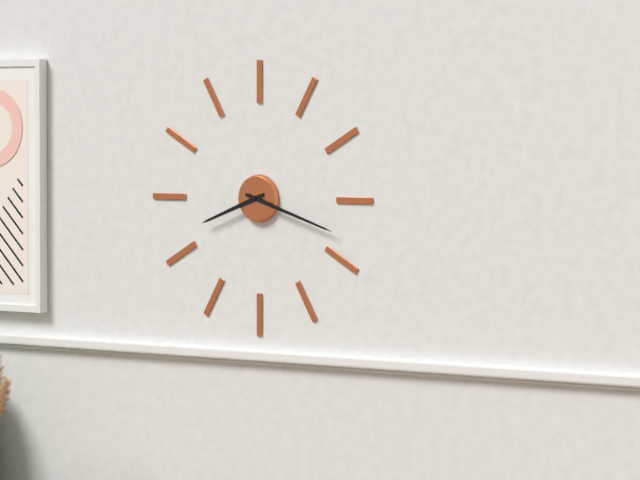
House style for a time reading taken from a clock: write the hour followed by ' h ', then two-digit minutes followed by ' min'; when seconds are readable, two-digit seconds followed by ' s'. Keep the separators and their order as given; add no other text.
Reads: 8 h 18 min
